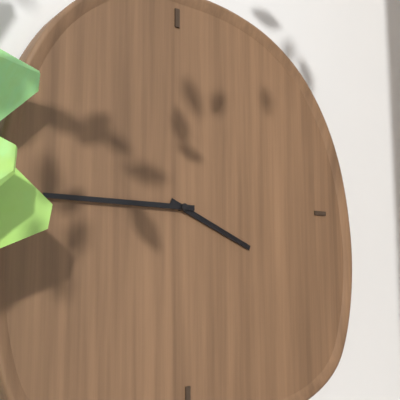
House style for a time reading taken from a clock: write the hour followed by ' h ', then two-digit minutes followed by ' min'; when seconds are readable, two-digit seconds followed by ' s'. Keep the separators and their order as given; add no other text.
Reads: 3 h 45 min
